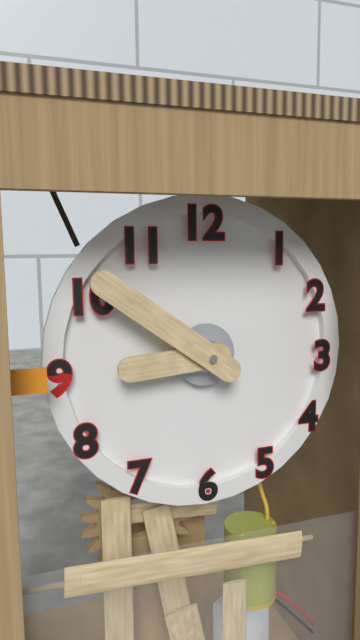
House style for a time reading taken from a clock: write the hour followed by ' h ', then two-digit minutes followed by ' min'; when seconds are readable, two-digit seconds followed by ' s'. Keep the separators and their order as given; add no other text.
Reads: 8 h 51 min
